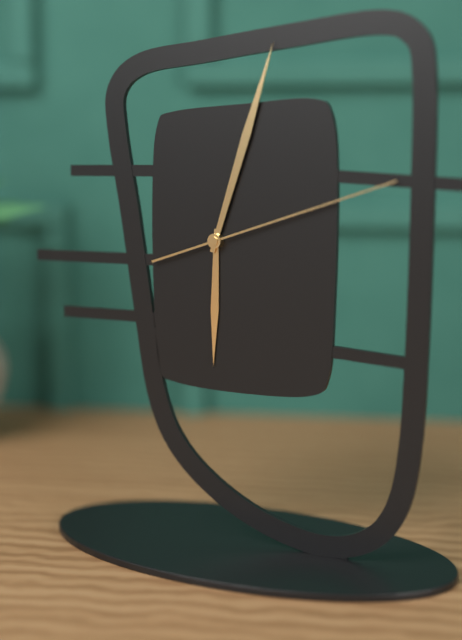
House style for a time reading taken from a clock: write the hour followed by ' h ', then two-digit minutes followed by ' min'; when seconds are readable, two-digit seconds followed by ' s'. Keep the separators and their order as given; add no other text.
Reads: 6 h 03 min 12 s
